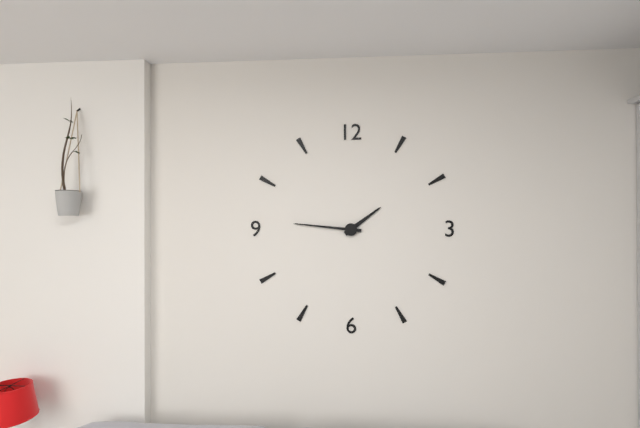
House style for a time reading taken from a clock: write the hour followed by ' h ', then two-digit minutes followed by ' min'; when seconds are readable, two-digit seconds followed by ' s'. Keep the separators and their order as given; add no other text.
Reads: 1 h 46 min
